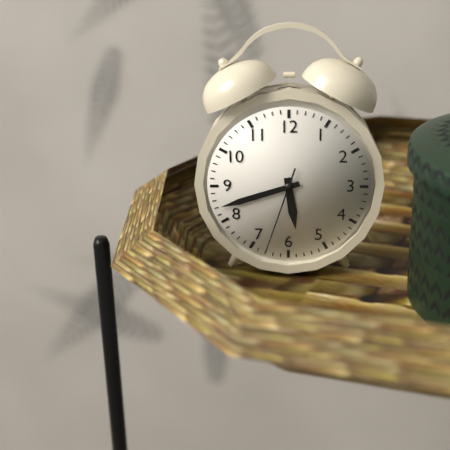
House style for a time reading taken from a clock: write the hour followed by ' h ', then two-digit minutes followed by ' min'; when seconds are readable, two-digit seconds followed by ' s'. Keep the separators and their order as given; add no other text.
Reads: 5 h 42 min 33 s
